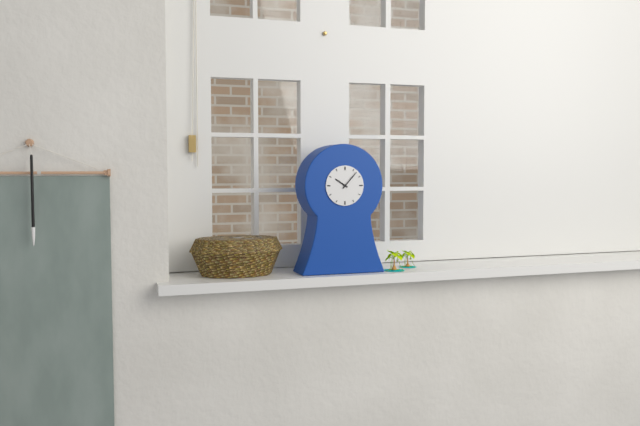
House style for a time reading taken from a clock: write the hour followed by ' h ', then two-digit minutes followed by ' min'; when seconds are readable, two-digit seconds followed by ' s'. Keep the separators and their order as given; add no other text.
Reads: 10 h 07 min
